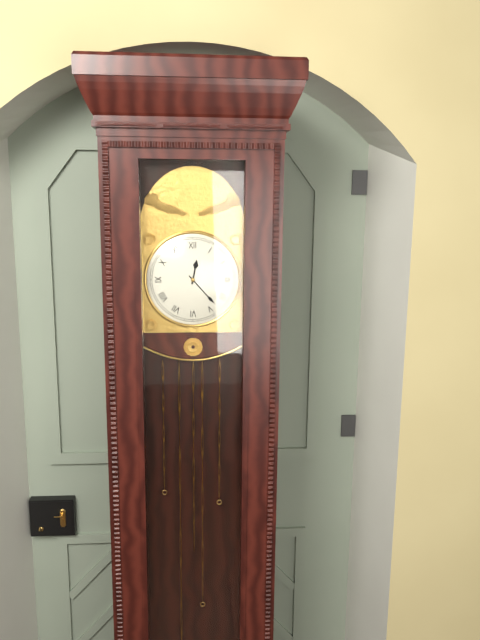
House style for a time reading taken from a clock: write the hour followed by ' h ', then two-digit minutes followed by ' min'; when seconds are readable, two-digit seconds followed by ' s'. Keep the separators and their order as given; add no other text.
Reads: 12 h 23 min
